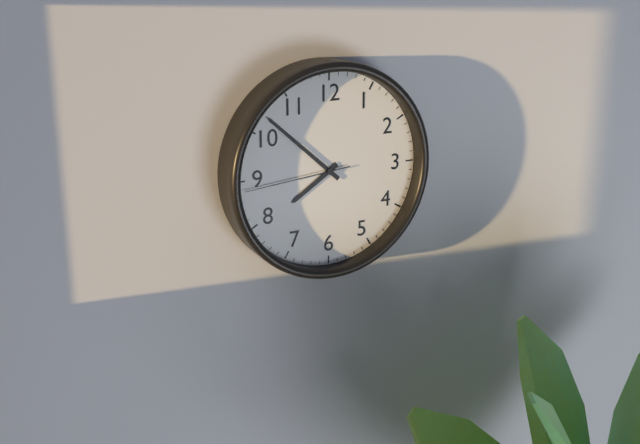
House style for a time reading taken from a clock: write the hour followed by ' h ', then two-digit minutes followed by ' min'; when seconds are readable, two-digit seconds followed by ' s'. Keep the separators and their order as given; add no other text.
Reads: 7 h 52 min 44 s
